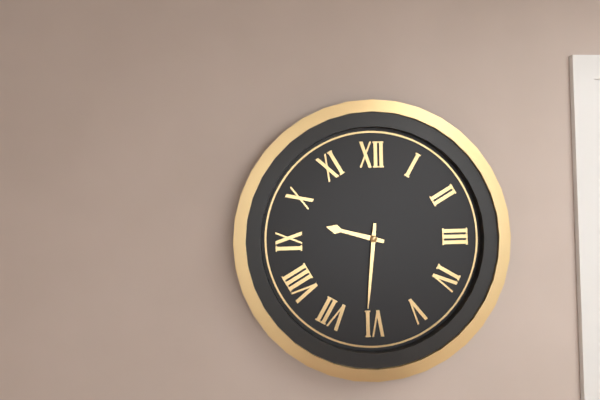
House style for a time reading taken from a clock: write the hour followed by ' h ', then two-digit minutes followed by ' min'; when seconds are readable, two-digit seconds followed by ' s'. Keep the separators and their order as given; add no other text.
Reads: 9 h 31 min
